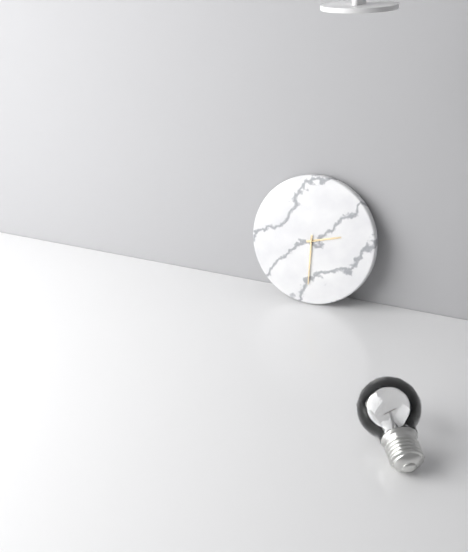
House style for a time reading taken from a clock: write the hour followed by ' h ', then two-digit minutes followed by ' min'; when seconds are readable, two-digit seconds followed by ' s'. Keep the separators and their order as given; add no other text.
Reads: 2 h 30 min
